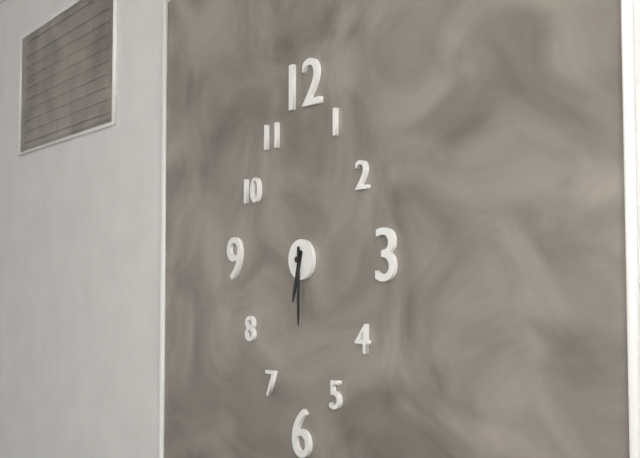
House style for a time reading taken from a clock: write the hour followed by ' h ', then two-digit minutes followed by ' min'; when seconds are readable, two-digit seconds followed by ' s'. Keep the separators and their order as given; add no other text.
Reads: 6 h 30 min
